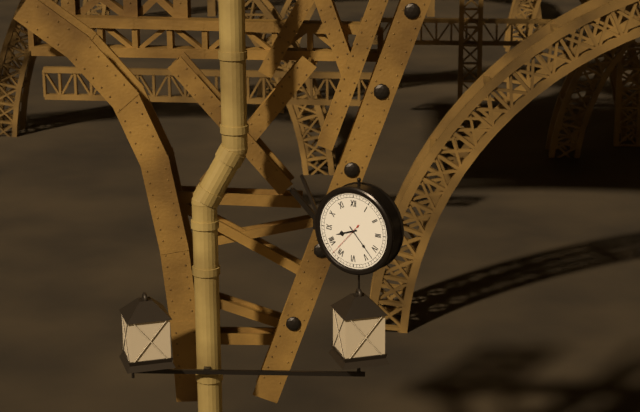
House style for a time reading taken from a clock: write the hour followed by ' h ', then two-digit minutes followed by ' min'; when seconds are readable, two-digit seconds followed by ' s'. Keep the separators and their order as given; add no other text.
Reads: 8 h 23 min
